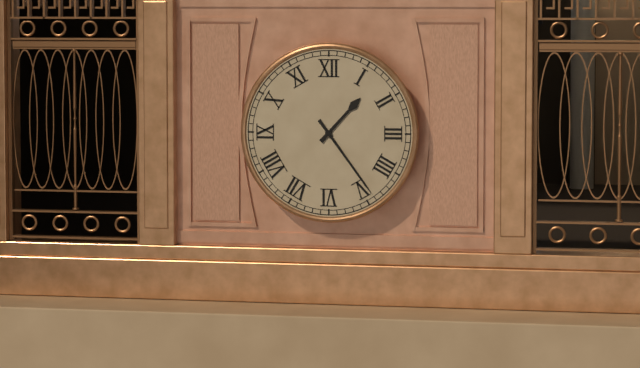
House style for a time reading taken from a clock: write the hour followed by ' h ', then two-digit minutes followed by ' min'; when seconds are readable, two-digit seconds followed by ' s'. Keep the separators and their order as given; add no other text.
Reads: 1 h 24 min
